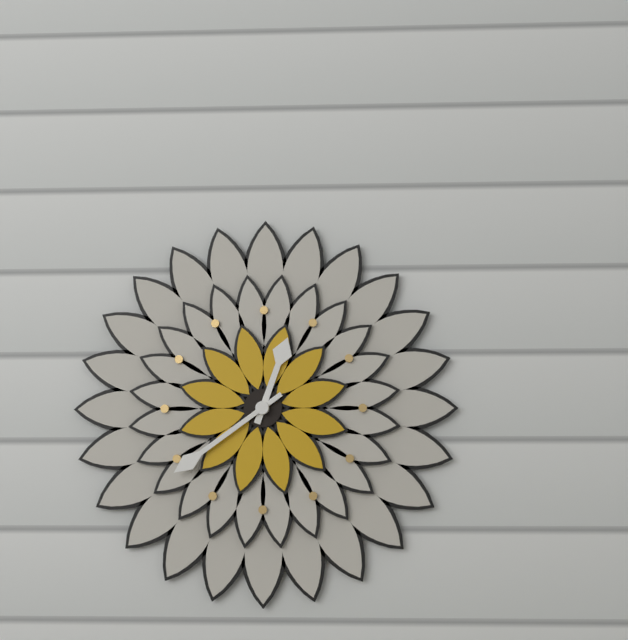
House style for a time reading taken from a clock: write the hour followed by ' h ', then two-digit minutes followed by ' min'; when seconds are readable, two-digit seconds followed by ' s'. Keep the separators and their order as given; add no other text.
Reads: 12 h 39 min
